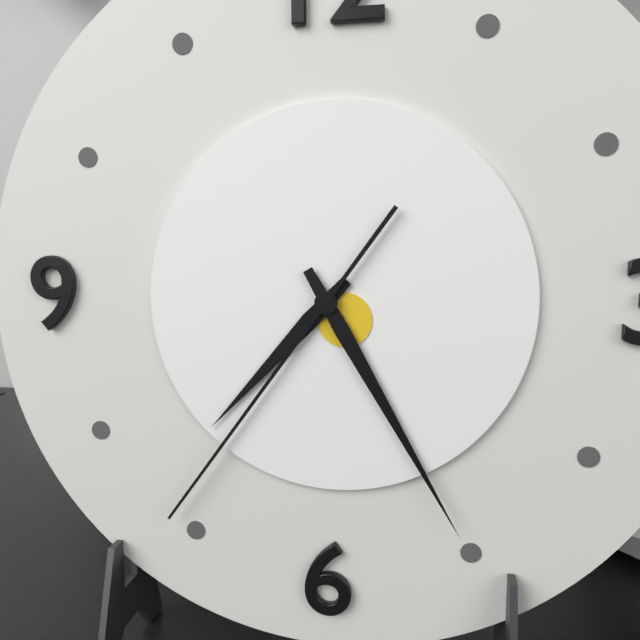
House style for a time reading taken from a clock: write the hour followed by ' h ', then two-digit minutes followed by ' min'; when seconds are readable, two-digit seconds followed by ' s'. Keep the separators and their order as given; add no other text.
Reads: 7 h 25 min 36 s
